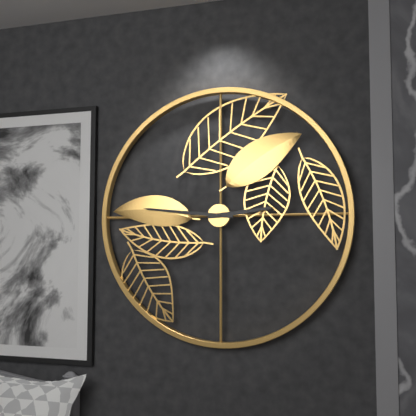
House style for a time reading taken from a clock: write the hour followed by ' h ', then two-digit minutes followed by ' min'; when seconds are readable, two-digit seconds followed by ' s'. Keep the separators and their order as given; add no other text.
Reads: 2 h 46 min
